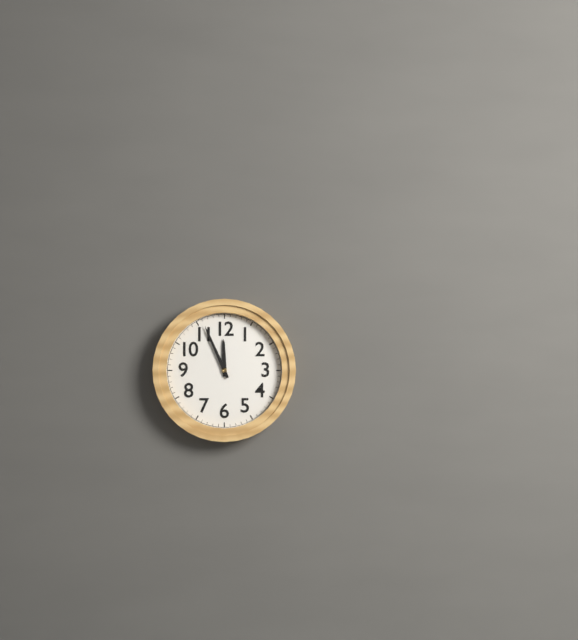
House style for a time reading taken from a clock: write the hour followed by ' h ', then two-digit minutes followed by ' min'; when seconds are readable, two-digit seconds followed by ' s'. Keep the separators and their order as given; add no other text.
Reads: 11 h 56 min
